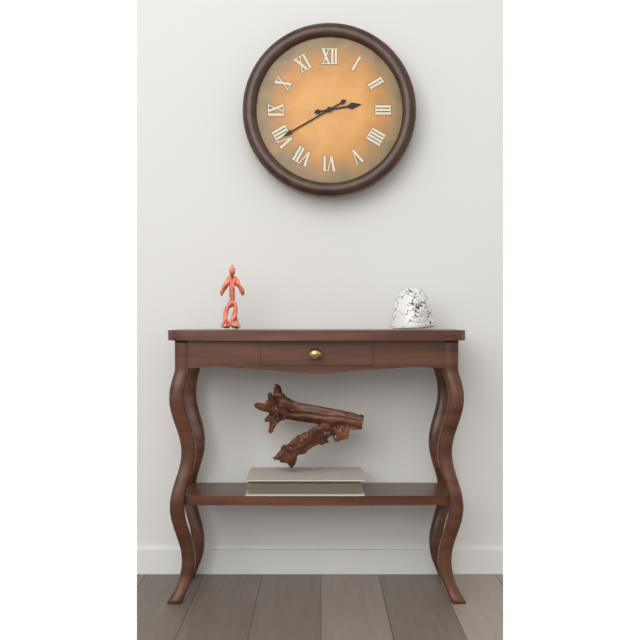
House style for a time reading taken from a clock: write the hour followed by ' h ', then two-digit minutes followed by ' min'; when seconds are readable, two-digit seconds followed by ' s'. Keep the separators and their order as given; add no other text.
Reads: 2 h 40 min
